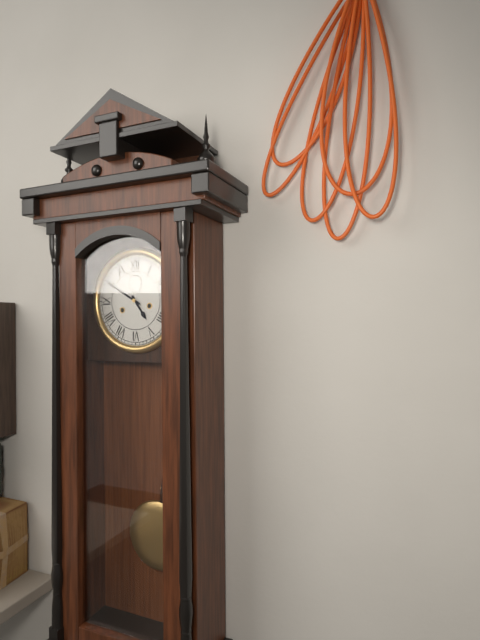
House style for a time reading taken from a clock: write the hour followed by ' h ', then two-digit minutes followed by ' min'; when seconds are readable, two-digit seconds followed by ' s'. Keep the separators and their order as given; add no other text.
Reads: 4 h 50 min
